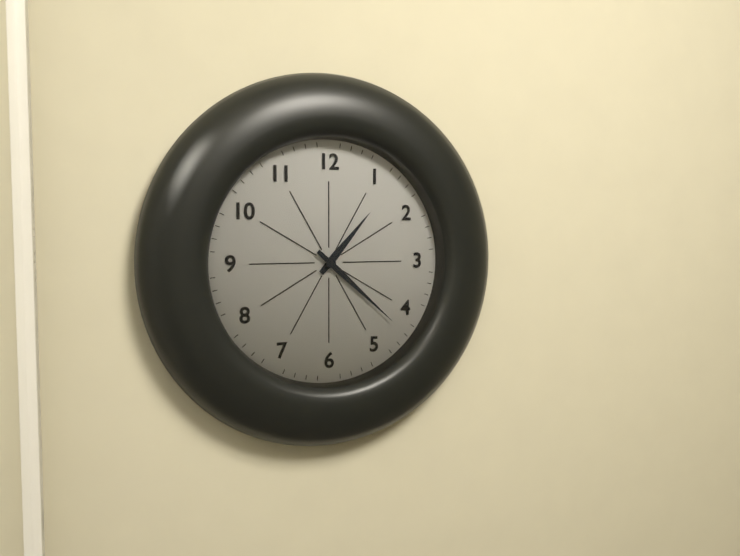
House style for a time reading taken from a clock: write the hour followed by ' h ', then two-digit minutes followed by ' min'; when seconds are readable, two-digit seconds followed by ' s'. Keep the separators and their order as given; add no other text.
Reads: 1 h 22 min
